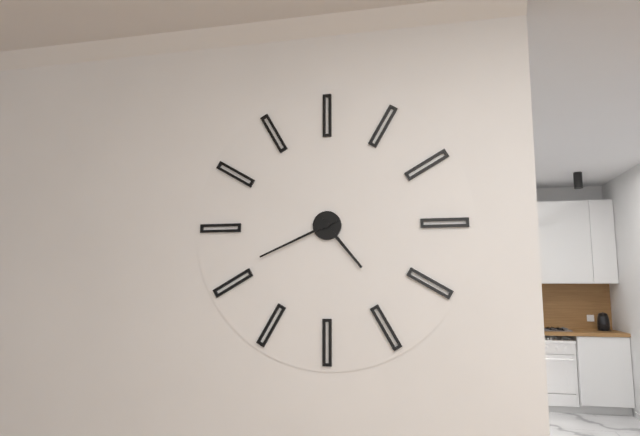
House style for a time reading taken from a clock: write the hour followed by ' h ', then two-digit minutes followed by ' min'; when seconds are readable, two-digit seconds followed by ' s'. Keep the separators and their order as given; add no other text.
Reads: 4 h 41 min
